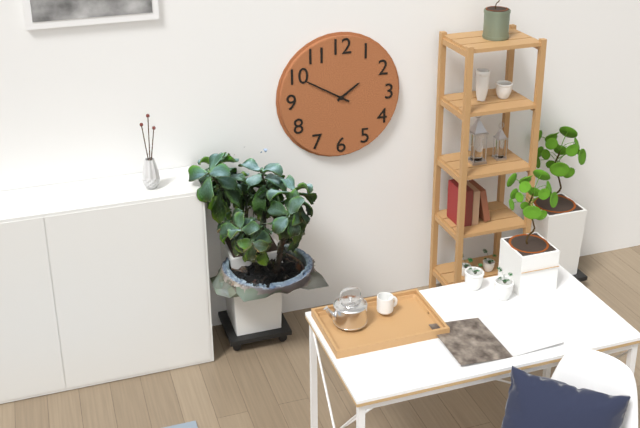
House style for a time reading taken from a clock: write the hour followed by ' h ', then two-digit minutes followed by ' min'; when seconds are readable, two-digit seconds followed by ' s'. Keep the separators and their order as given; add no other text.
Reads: 1 h 50 min
